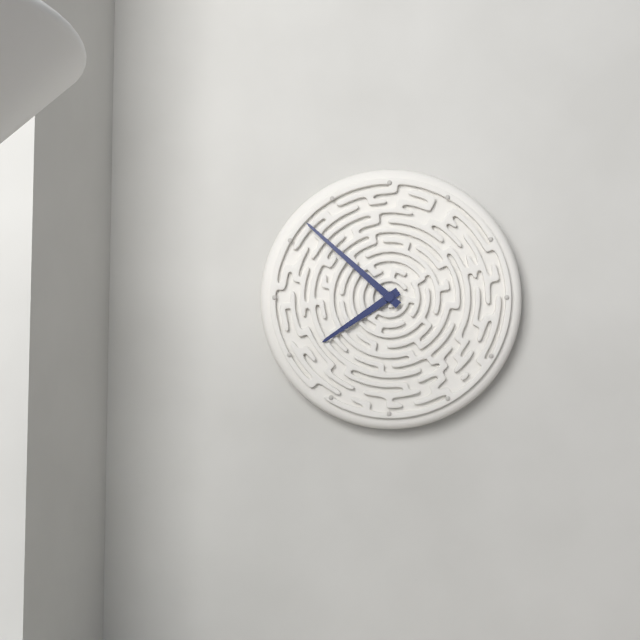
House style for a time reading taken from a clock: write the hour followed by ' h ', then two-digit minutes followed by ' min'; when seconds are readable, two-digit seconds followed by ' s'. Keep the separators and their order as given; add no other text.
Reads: 7 h 52 min
